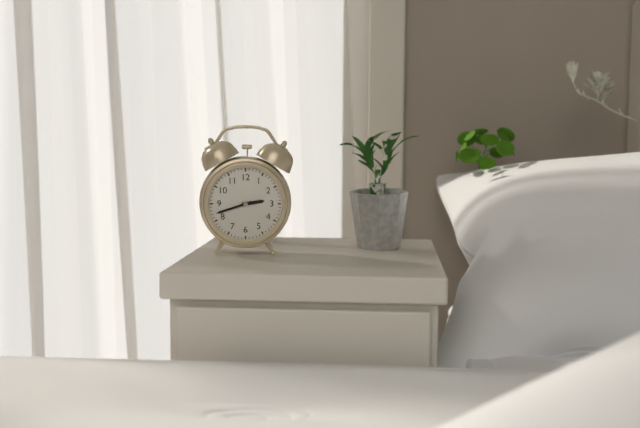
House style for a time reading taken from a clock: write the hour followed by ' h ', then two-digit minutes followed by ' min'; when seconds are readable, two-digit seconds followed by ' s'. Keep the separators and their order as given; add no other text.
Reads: 2 h 42 min
